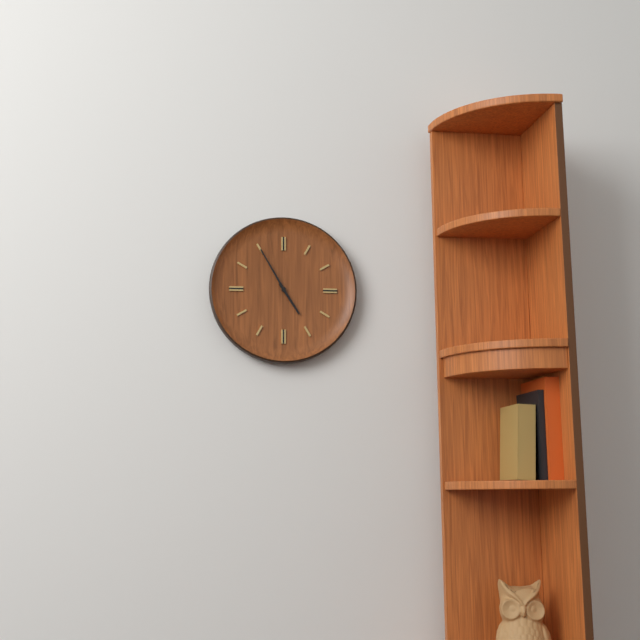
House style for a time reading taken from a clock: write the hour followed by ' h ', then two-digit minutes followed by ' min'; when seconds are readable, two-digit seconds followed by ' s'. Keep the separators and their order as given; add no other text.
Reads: 4 h 55 min
